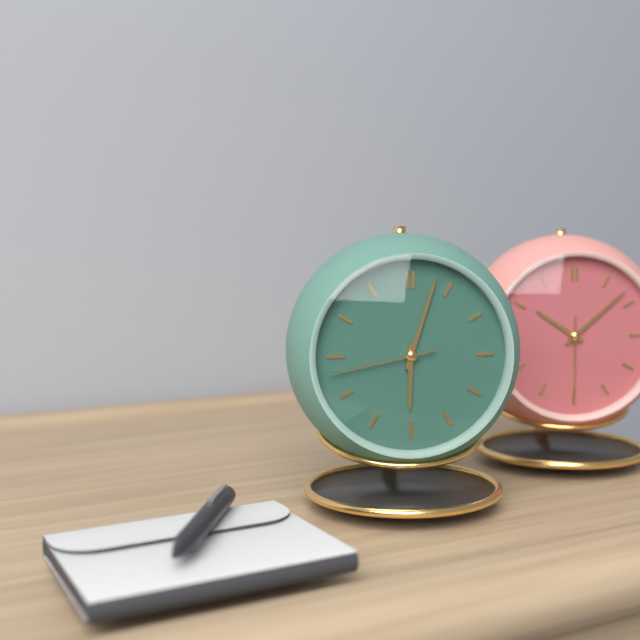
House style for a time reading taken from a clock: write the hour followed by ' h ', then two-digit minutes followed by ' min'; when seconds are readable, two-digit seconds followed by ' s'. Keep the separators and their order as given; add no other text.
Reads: 6 h 03 min 43 s
